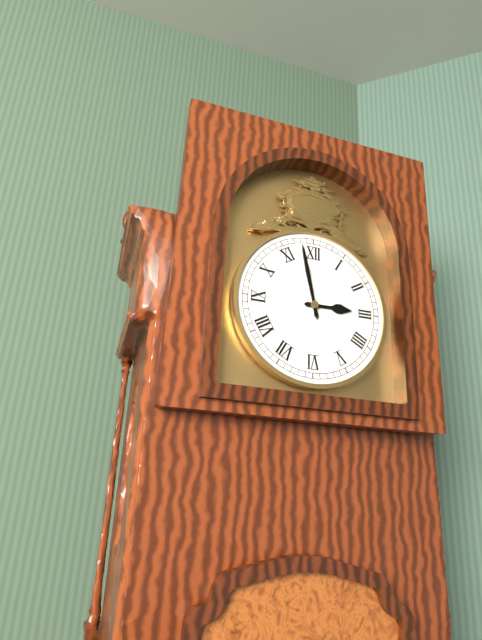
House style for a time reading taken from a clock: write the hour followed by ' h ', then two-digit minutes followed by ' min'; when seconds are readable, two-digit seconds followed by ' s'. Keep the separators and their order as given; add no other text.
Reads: 2 h 58 min
